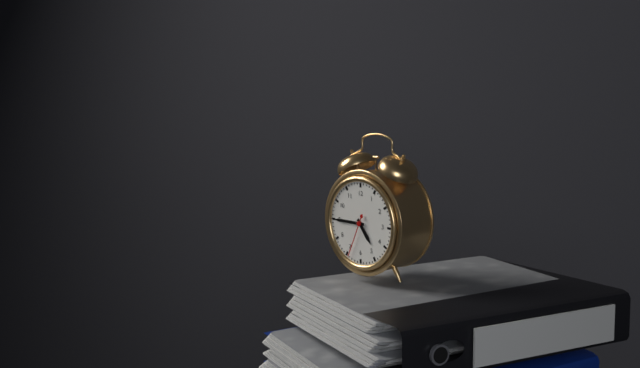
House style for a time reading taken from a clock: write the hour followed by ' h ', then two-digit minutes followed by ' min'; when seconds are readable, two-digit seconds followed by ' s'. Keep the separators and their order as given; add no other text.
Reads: 4 h 45 min
